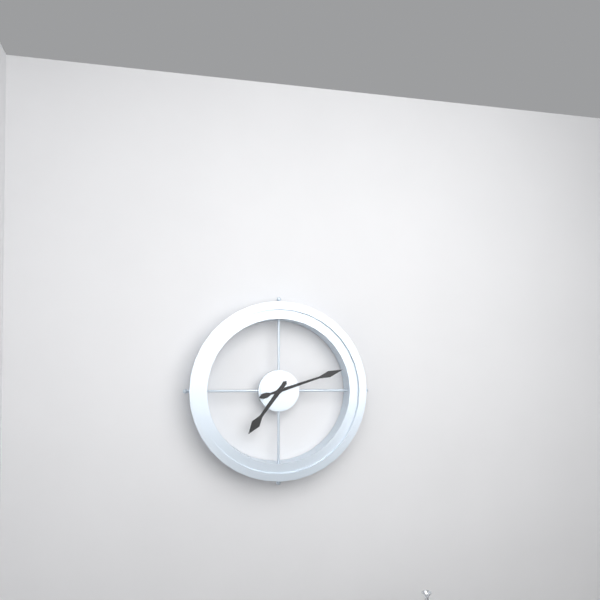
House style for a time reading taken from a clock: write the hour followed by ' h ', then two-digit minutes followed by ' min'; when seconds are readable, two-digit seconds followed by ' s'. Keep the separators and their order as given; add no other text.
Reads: 7 h 12 min
